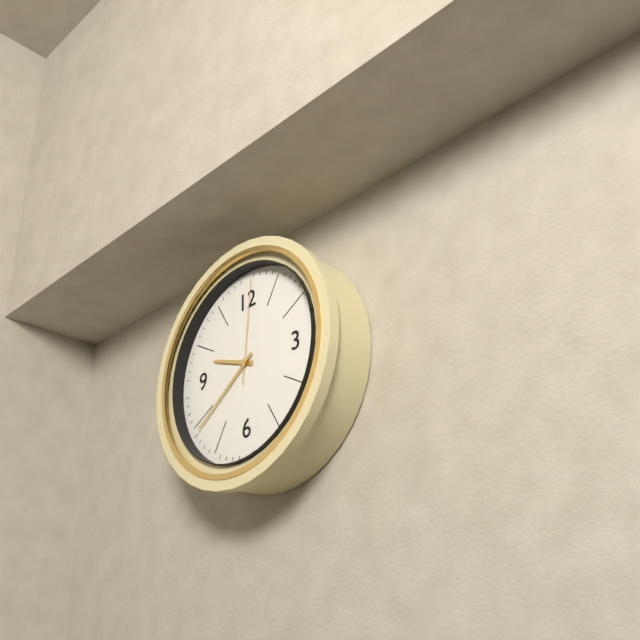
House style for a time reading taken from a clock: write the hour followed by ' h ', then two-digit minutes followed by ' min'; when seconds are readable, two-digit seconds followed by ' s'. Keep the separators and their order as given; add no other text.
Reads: 9 h 39 min 01 s
